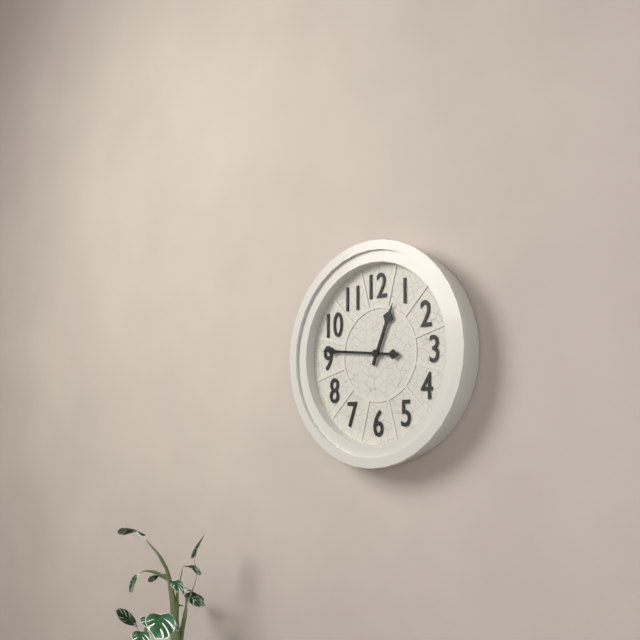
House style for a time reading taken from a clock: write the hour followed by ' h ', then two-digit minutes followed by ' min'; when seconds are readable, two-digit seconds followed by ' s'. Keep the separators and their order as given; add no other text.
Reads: 12 h 46 min
